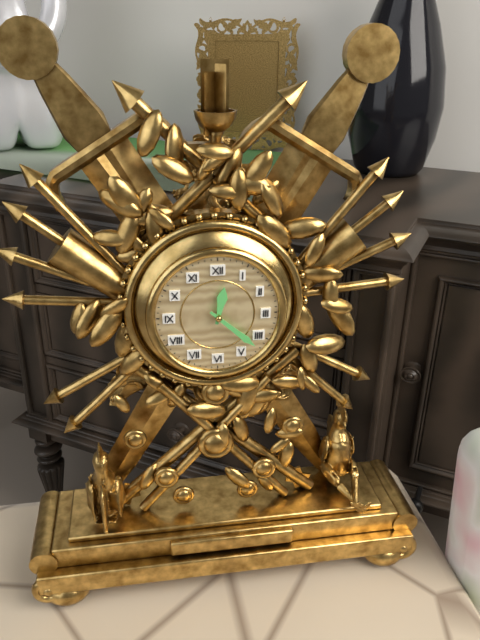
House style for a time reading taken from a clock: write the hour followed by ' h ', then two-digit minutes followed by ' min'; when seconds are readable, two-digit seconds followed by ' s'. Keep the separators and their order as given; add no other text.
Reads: 12 h 22 min
